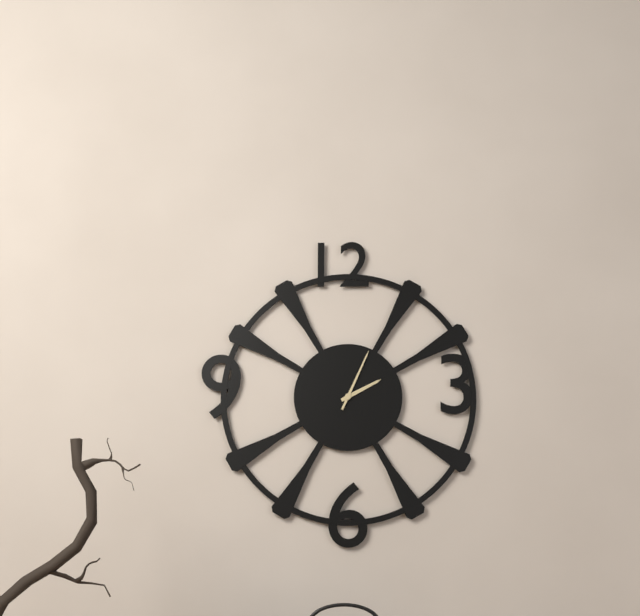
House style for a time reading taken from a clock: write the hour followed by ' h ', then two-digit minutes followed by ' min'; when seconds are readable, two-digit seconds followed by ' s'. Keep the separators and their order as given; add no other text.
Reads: 2 h 04 min
